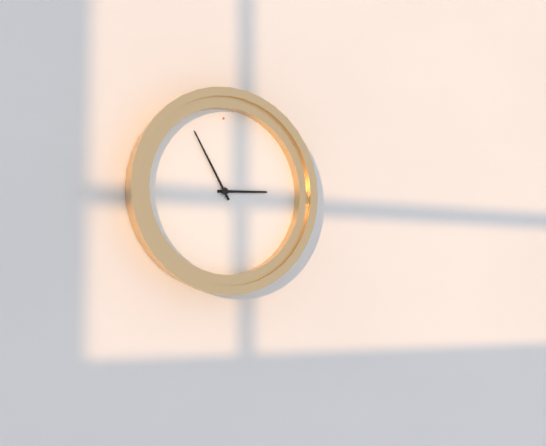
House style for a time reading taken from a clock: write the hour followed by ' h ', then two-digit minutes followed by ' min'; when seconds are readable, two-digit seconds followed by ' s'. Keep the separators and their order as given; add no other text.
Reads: 2 h 55 min
